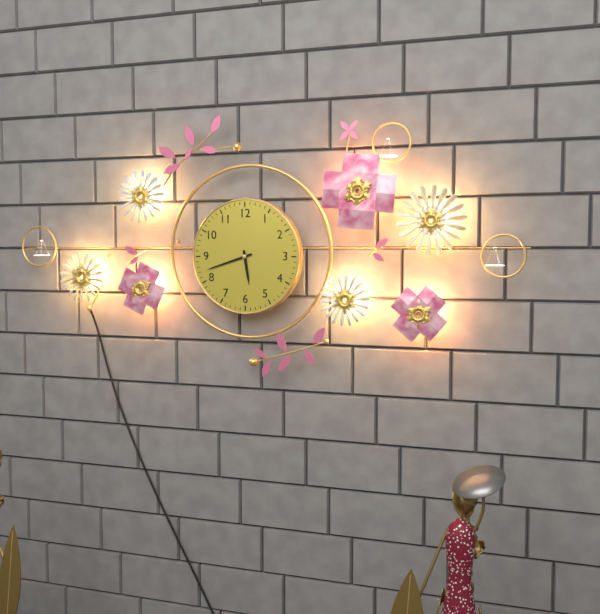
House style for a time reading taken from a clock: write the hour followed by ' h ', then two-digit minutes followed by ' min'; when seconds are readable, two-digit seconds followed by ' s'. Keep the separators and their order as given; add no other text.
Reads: 5 h 42 min
